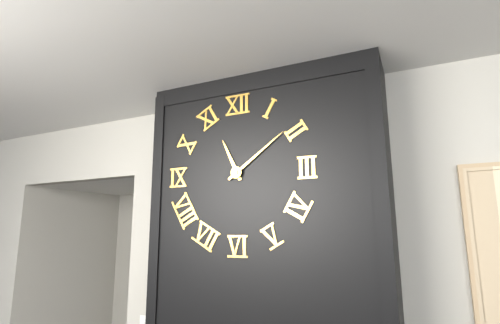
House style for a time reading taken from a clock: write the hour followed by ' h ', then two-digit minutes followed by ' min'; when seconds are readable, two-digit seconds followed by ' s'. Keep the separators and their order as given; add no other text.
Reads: 11 h 09 min
